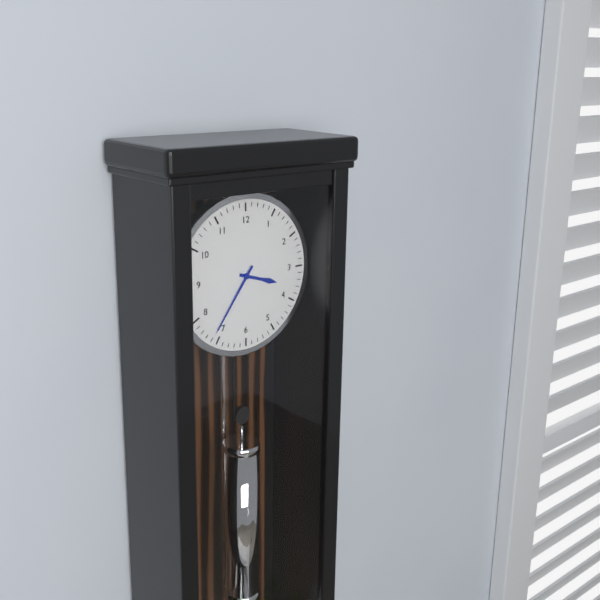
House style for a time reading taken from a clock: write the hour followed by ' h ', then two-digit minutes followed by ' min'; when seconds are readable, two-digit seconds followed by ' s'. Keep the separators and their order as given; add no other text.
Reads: 3 h 36 min
